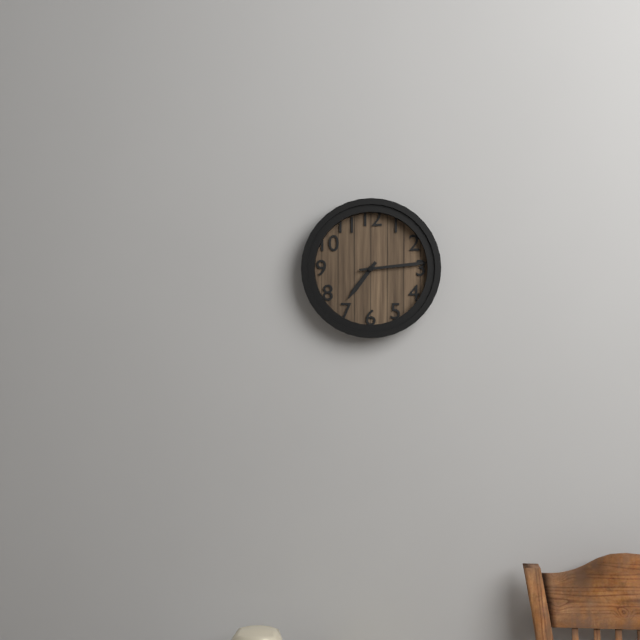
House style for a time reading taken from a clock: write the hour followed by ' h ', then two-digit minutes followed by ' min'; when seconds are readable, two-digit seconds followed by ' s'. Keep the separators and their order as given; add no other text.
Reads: 7 h 14 min
